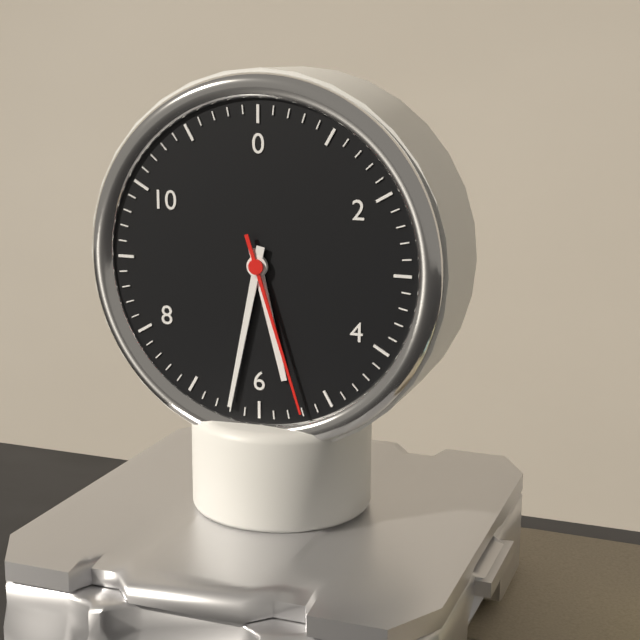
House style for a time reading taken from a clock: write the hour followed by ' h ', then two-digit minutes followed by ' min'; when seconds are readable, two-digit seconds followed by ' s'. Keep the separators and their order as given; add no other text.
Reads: 5 h 32 min 27 s
